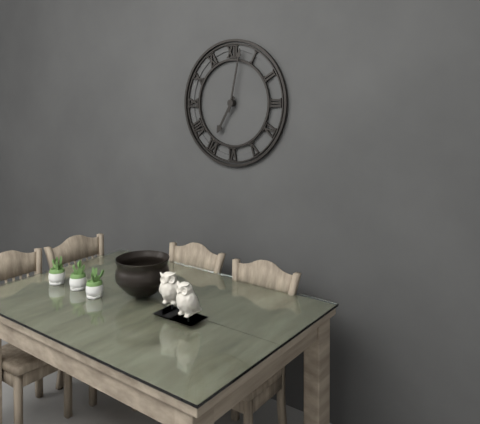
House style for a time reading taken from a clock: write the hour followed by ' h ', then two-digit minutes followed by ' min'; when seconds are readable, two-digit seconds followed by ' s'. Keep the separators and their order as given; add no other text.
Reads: 7 h 02 min
